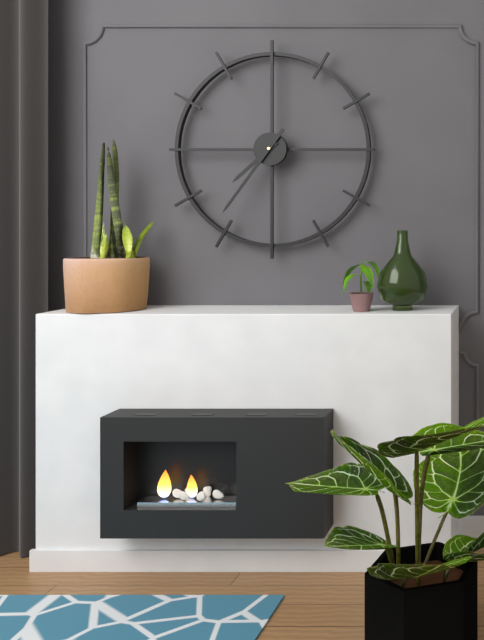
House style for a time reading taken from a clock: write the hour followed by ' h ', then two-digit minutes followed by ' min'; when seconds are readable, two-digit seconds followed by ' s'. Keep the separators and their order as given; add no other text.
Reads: 7 h 36 min
